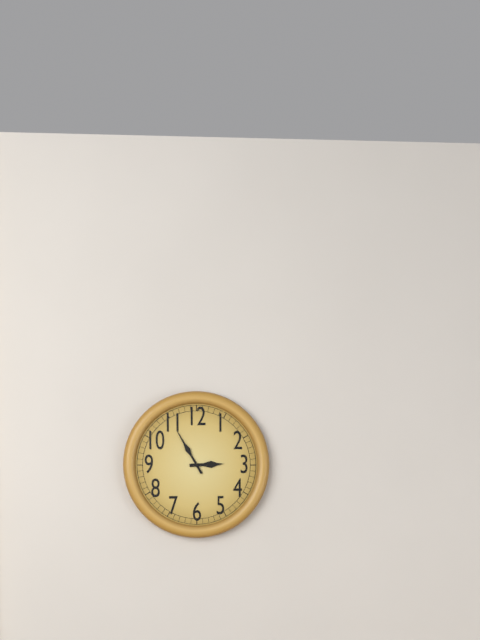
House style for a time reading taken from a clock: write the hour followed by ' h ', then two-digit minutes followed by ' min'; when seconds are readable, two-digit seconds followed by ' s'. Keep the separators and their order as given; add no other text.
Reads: 2 h 55 min
